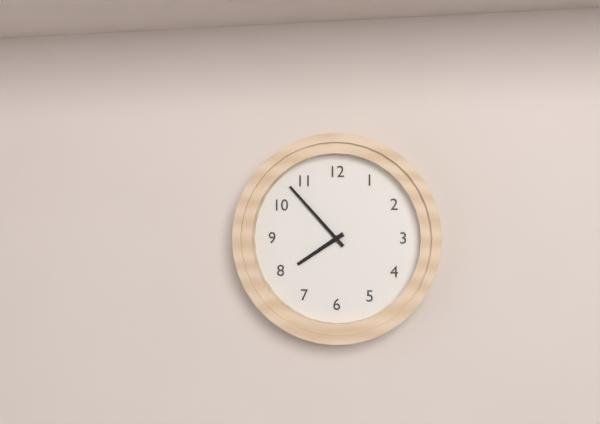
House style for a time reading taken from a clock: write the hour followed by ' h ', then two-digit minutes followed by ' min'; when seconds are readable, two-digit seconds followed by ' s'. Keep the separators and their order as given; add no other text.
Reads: 7 h 53 min
